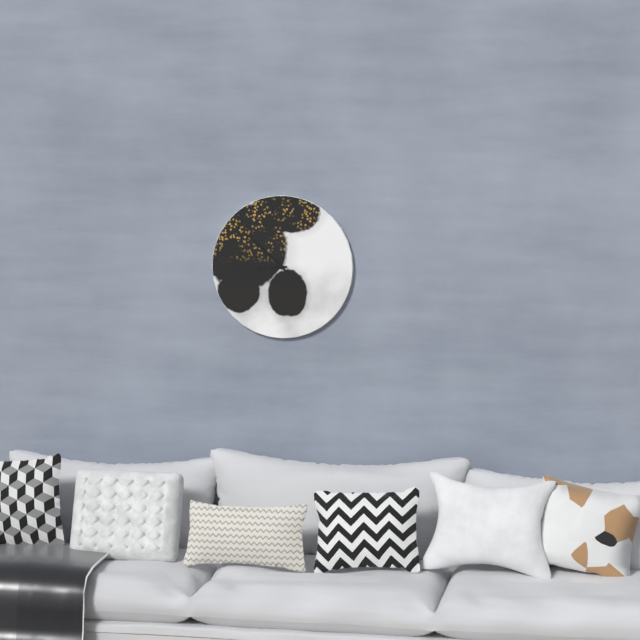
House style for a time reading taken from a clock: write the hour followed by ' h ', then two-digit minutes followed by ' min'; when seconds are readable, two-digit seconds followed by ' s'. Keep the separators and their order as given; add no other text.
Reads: 8 h 52 min
